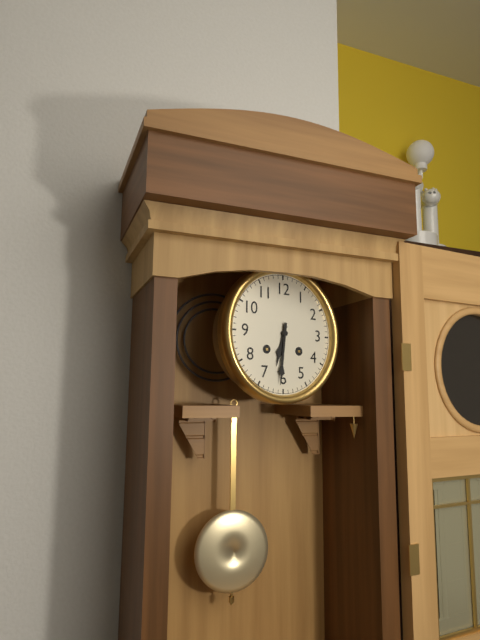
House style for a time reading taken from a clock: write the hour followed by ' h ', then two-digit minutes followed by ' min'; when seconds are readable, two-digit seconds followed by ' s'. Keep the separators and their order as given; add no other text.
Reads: 6 h 31 min
